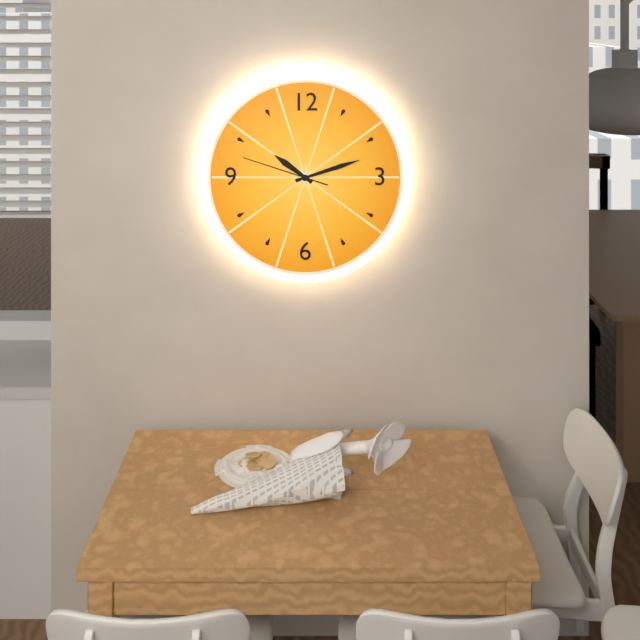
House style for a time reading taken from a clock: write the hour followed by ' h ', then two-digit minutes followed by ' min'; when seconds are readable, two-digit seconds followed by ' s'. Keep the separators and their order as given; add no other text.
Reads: 10 h 12 min 48 s
